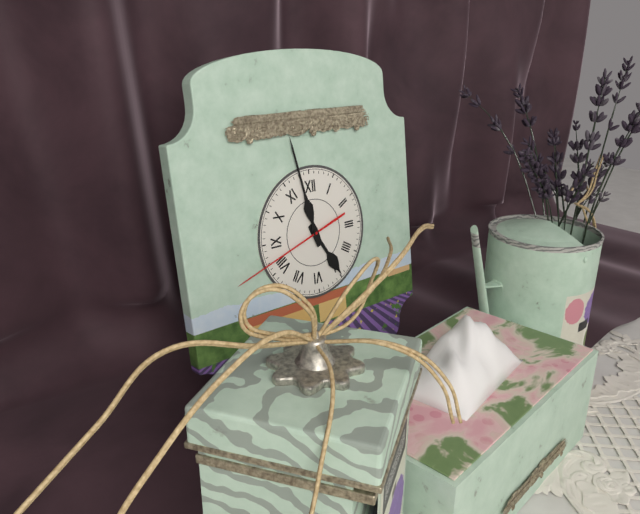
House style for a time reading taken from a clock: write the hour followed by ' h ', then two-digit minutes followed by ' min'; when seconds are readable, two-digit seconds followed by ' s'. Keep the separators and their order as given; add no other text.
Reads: 4 h 58 min 42 s
